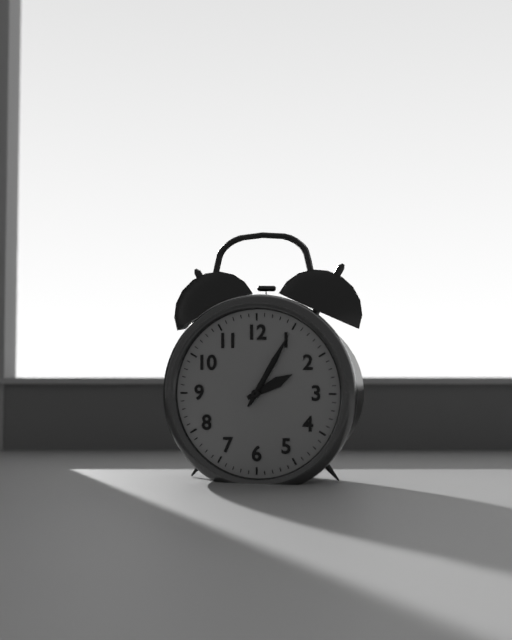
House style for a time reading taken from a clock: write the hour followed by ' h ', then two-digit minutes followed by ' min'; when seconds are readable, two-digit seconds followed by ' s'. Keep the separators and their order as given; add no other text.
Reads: 2 h 05 min 05 s
